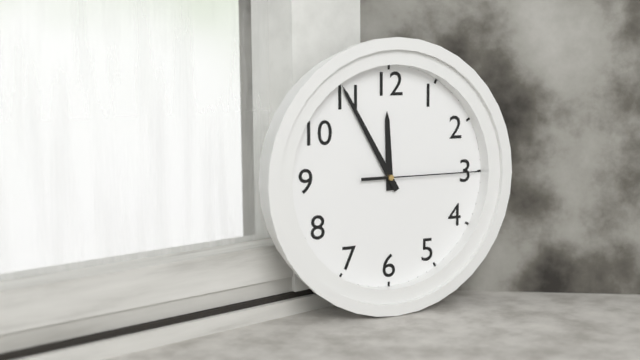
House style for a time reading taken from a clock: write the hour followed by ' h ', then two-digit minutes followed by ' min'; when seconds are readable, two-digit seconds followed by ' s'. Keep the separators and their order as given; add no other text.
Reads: 11 h 55 min 15 s
